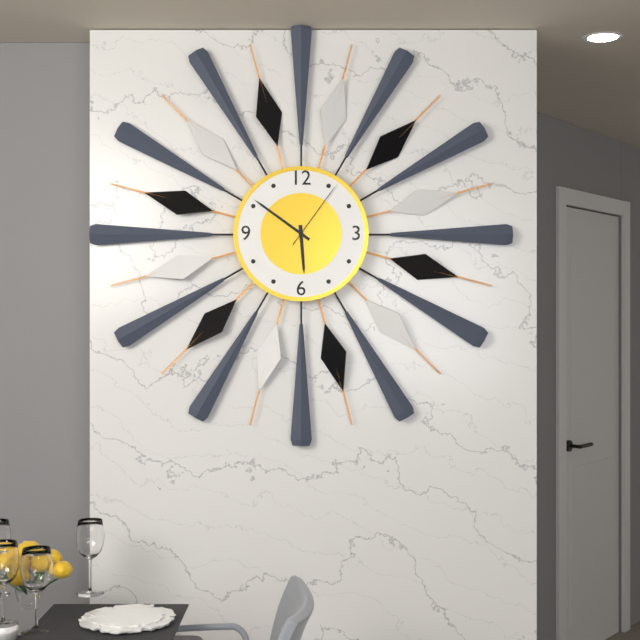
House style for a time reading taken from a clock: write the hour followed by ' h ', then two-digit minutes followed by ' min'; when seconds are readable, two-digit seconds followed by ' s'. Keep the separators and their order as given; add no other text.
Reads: 5 h 51 min 06 s
